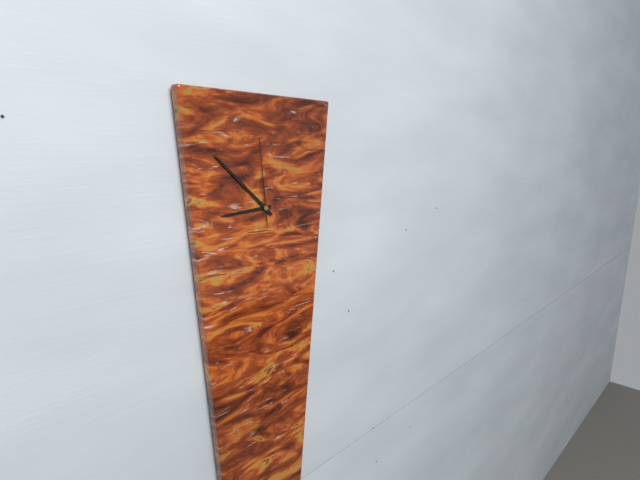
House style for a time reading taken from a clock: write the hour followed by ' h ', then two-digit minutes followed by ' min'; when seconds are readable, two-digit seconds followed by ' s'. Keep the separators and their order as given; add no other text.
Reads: 8 h 52 min 59 s
